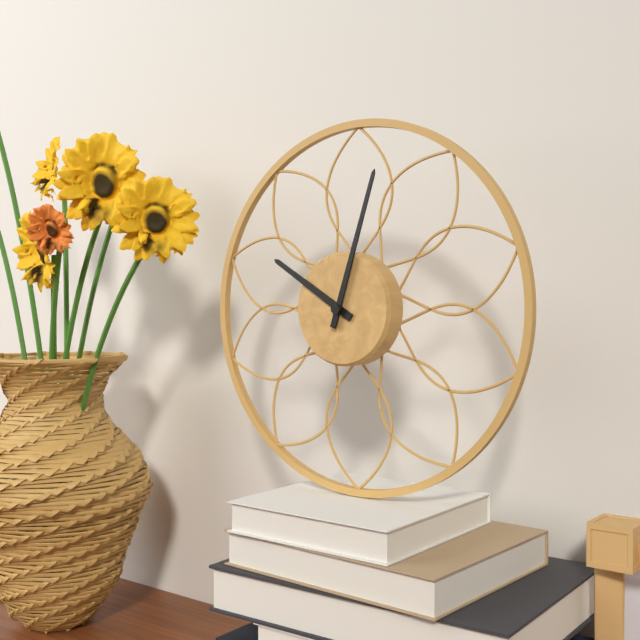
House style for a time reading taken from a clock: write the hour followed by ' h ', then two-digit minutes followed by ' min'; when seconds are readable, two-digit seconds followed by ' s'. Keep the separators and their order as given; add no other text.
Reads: 10 h 03 min
